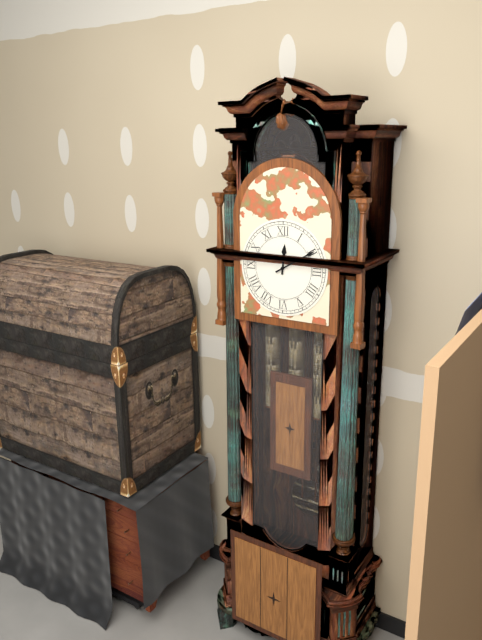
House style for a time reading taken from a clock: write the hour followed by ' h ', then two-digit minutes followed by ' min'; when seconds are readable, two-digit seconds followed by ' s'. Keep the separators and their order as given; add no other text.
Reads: 12 h 10 min
